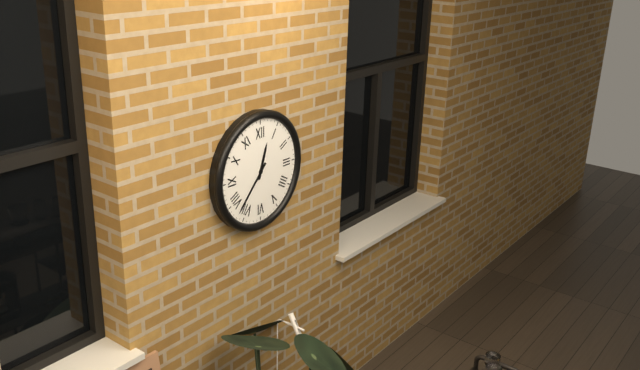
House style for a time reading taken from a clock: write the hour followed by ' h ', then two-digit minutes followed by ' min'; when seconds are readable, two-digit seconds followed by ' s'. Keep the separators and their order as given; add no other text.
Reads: 12 h 37 min
